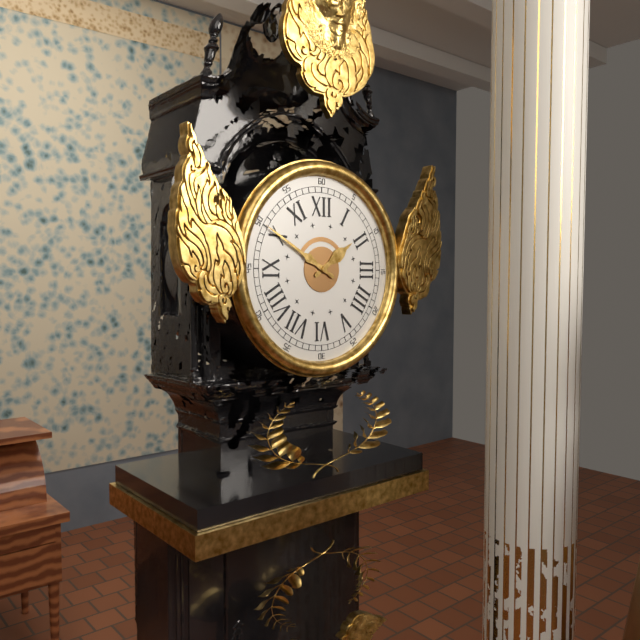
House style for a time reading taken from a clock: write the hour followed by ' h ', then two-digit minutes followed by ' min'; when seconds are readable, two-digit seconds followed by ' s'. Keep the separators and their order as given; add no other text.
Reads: 1 h 50 min
